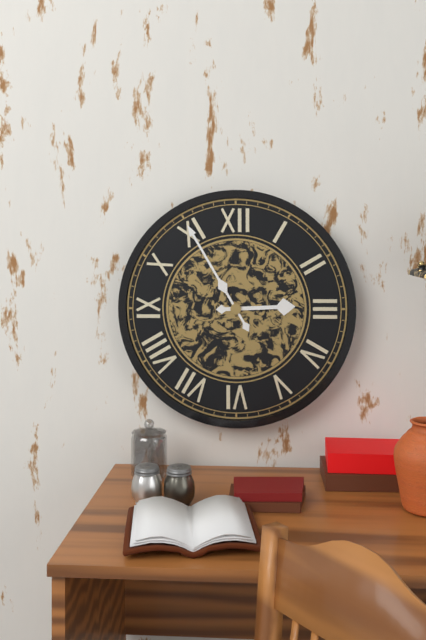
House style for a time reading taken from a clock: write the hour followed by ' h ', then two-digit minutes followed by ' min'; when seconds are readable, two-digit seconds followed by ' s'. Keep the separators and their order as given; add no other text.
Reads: 2 h 55 min
